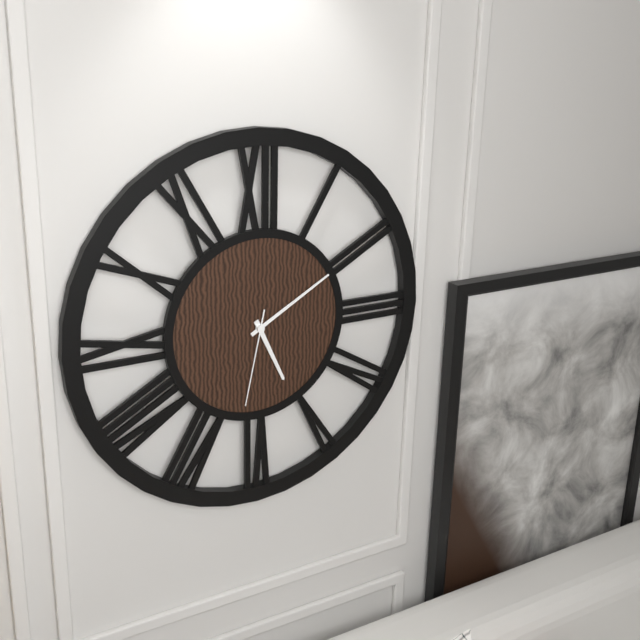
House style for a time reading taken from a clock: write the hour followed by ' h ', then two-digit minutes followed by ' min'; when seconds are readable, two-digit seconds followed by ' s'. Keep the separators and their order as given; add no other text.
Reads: 5 h 10 min 32 s
